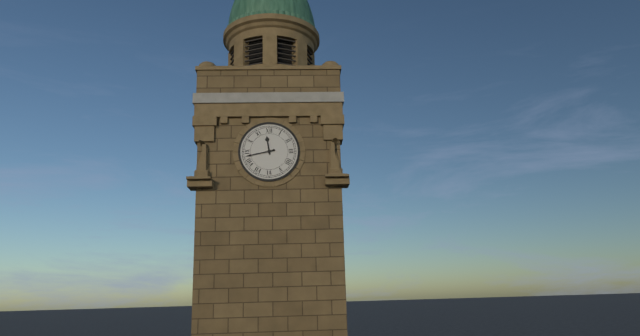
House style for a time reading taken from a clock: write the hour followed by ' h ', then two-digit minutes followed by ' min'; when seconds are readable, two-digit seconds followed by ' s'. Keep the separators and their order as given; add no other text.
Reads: 11 h 43 min
